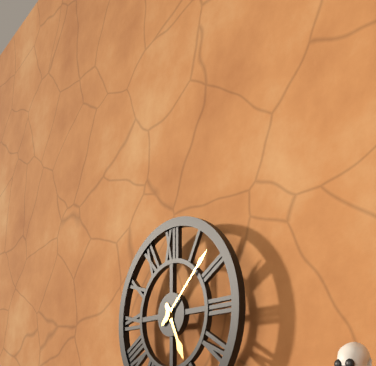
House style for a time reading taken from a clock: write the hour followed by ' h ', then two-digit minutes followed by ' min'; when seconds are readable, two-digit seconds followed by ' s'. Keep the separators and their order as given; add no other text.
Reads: 5 h 08 min
